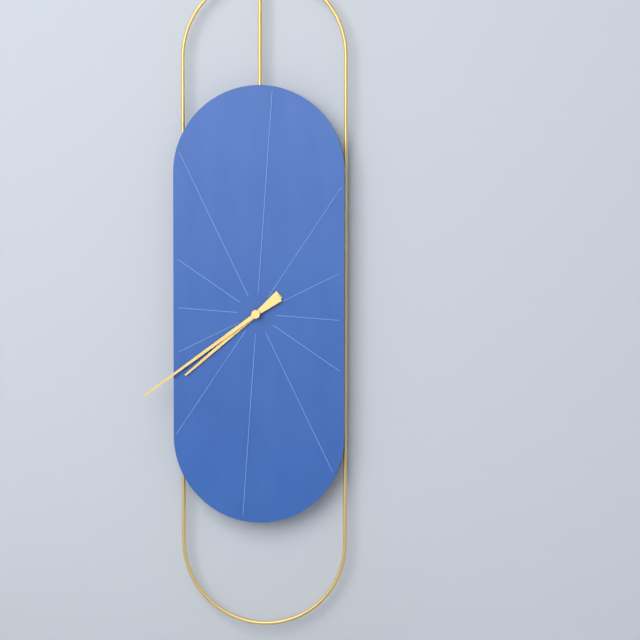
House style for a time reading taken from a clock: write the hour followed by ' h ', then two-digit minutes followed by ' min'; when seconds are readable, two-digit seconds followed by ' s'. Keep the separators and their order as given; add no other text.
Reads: 7 h 39 min
